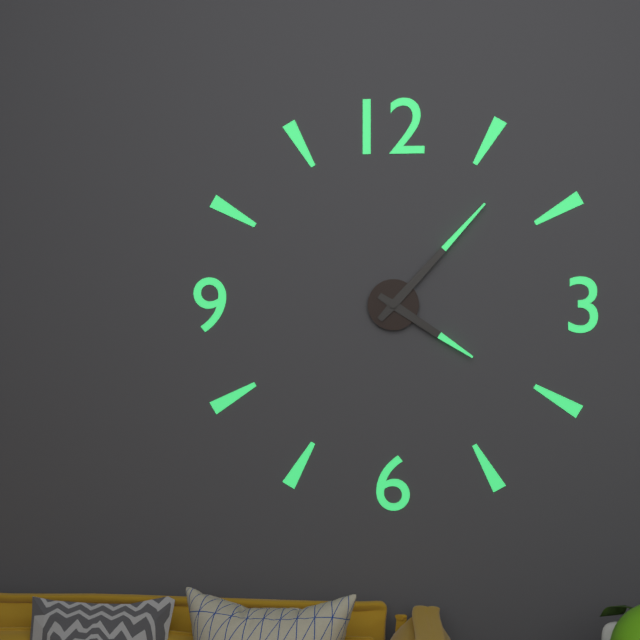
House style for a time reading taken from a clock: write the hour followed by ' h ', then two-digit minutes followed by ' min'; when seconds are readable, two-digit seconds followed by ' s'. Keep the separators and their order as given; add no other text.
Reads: 4 h 07 min
